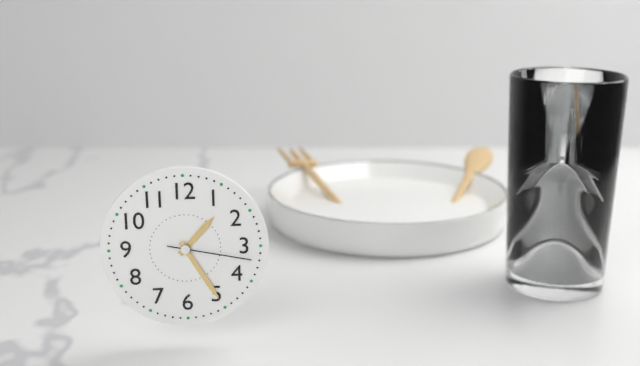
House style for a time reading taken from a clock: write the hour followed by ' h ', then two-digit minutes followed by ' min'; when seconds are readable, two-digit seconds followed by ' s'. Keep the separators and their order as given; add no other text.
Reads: 1 h 25 min 17 s
